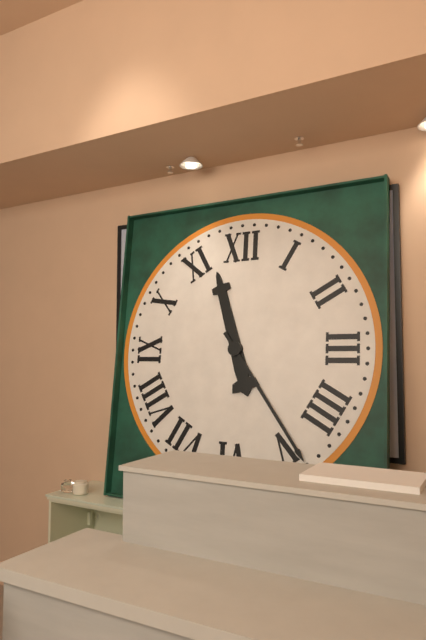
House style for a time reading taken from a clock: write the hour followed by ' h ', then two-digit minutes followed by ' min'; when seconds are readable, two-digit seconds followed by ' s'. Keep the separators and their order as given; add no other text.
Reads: 11 h 24 min
